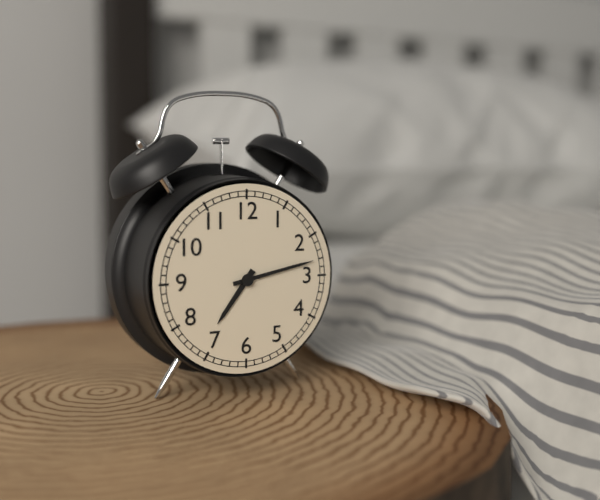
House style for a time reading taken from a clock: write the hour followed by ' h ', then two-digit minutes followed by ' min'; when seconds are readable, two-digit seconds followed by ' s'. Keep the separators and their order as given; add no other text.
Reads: 7 h 13 min
